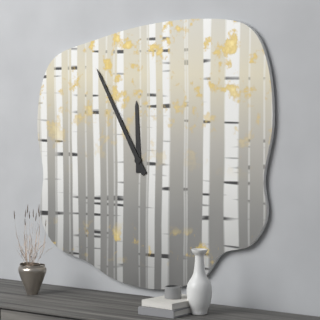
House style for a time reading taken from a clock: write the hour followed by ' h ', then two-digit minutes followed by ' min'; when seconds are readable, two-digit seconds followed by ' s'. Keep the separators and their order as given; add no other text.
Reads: 11 h 55 min
